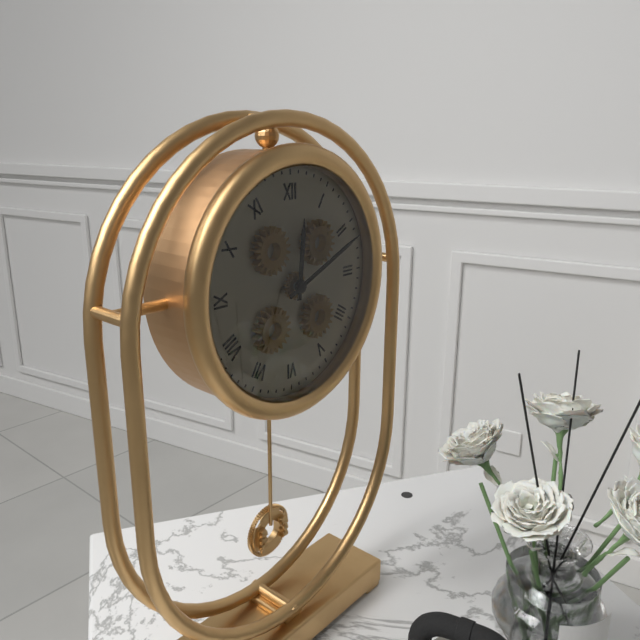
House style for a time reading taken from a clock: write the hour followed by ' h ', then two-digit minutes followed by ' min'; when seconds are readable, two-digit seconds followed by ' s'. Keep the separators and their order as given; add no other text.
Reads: 12 h 11 min
